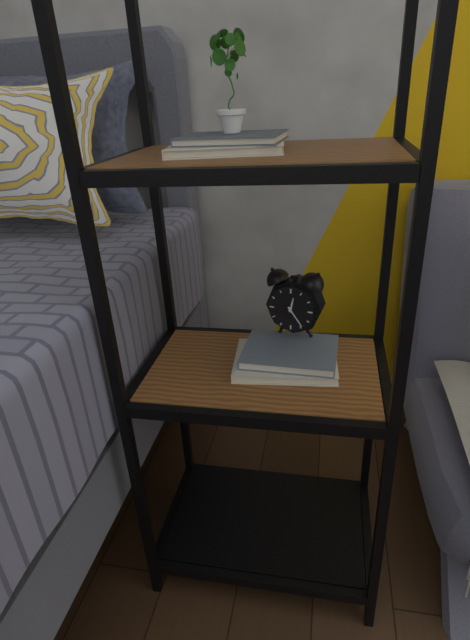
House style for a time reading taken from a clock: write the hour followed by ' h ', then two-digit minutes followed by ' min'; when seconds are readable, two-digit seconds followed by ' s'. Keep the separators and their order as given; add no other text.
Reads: 12 h 24 min
